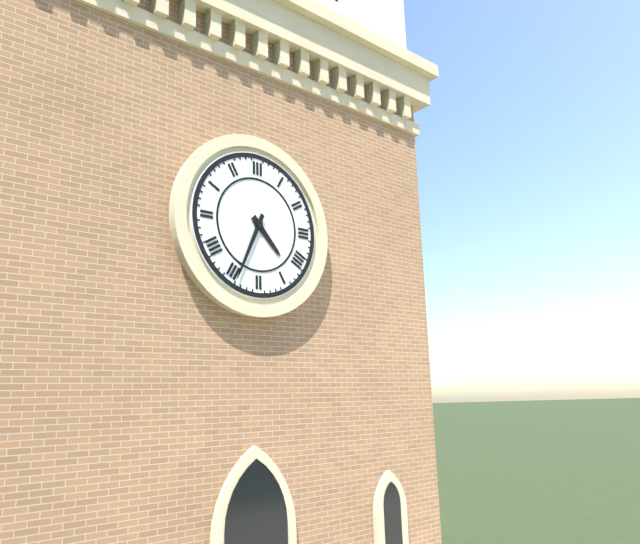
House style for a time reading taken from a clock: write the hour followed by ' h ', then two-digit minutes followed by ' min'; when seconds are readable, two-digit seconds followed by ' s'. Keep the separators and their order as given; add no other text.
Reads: 4 h 34 min
